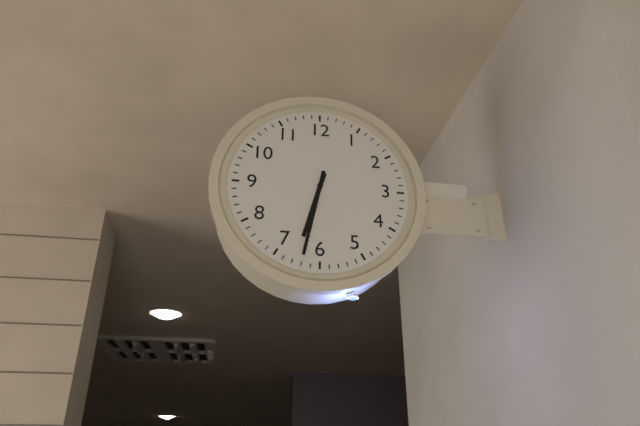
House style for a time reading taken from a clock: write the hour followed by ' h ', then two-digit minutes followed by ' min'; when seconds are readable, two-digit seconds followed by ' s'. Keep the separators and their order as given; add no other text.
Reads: 6 h 32 min
